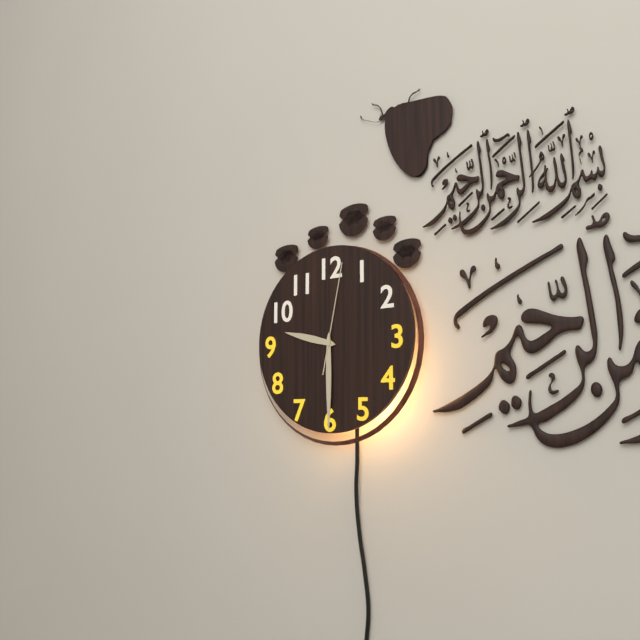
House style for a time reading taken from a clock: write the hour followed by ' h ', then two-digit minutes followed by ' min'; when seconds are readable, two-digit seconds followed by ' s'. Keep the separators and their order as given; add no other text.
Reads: 9 h 30 min 02 s
